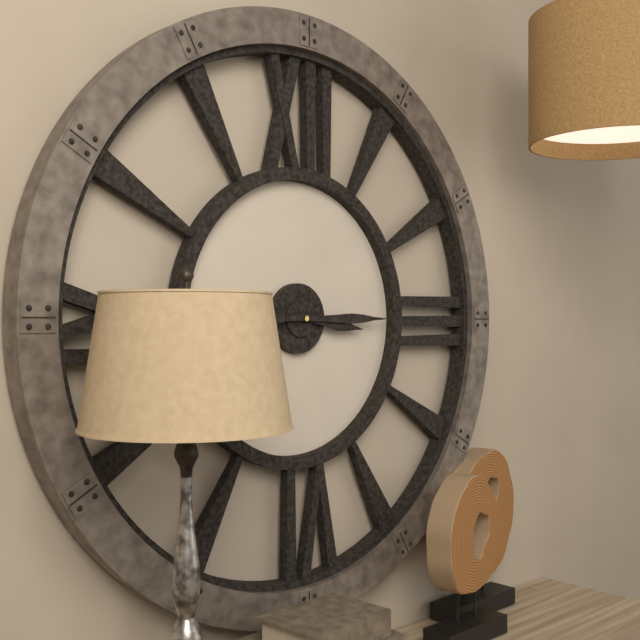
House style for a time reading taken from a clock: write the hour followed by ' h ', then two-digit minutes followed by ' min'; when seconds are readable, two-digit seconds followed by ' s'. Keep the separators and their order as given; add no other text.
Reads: 3 h 15 min
